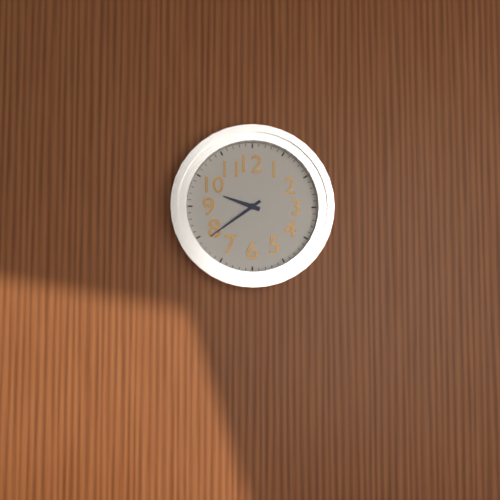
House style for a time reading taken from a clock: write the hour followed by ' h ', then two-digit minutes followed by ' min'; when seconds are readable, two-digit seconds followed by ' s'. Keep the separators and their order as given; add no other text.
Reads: 9 h 39 min
